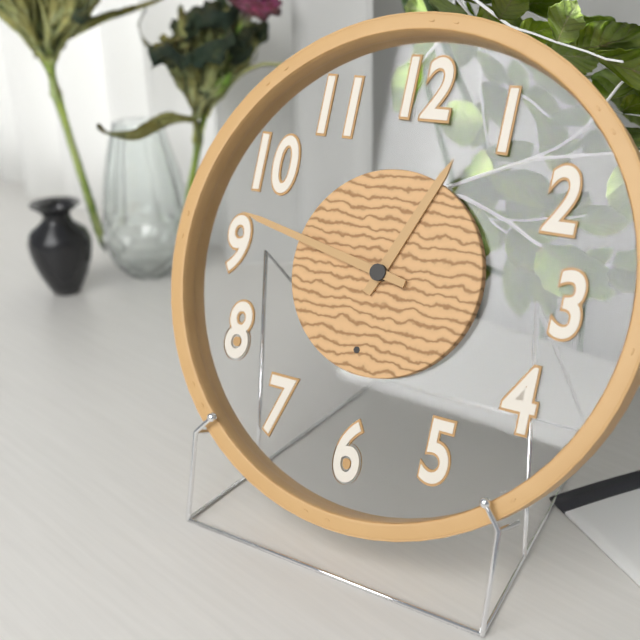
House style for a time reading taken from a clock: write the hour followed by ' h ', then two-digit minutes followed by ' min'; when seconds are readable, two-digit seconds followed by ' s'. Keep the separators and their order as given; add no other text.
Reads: 12 h 47 min
